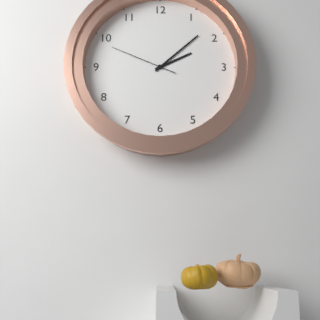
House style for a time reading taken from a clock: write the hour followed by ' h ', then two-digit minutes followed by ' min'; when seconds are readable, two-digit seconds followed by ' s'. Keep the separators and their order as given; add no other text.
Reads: 2 h 08 min 49 s
